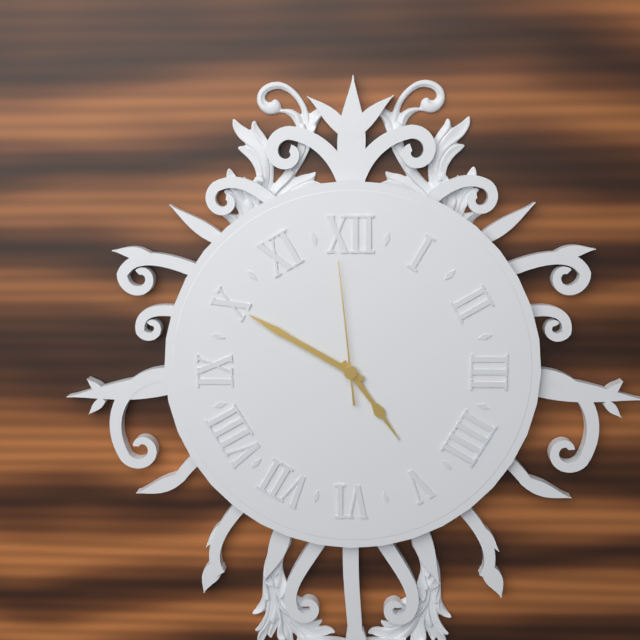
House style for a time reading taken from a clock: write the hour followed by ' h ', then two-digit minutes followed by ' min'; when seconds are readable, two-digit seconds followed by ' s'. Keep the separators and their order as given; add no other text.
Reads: 4 h 50 min 59 s
